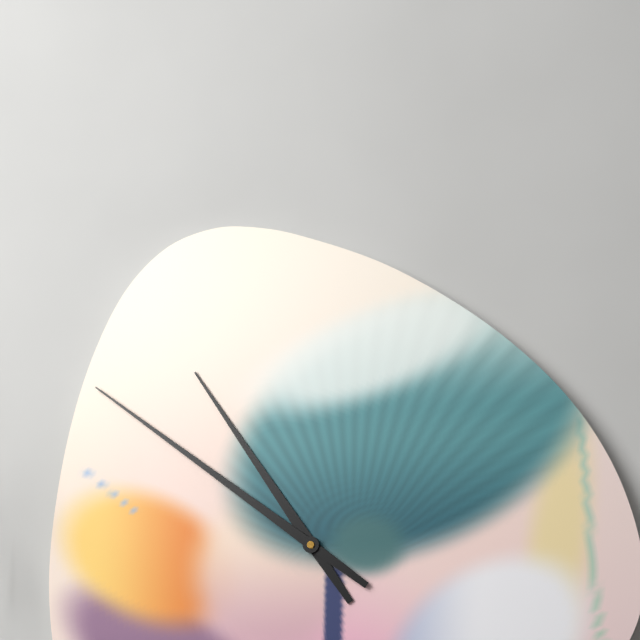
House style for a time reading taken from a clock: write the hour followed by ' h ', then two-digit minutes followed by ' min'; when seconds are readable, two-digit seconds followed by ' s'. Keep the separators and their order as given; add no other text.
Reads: 10 h 51 min
